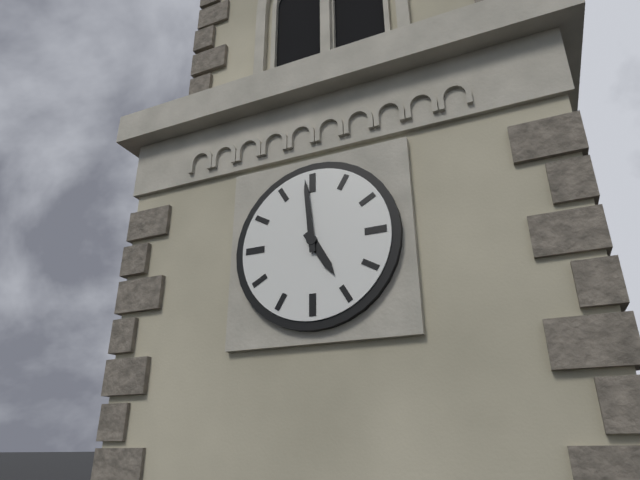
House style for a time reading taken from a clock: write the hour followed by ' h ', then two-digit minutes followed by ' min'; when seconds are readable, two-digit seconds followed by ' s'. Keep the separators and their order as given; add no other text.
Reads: 4 h 59 min
